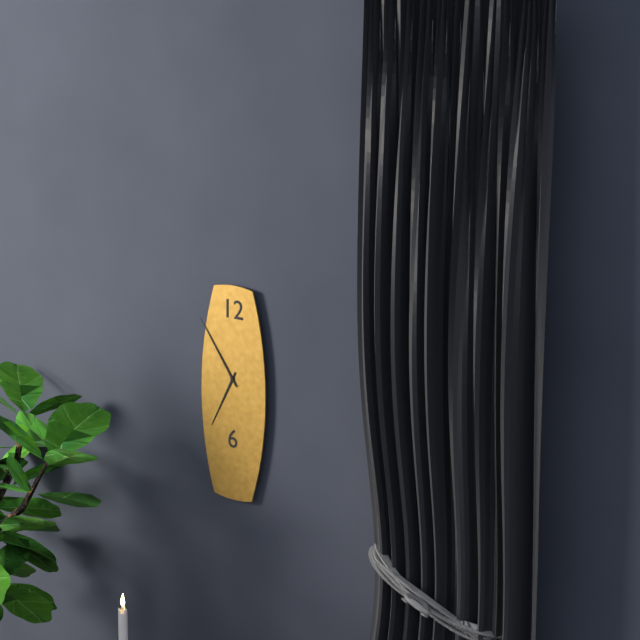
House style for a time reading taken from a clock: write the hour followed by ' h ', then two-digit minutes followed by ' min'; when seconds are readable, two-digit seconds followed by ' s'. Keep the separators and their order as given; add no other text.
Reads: 6 h 54 min
